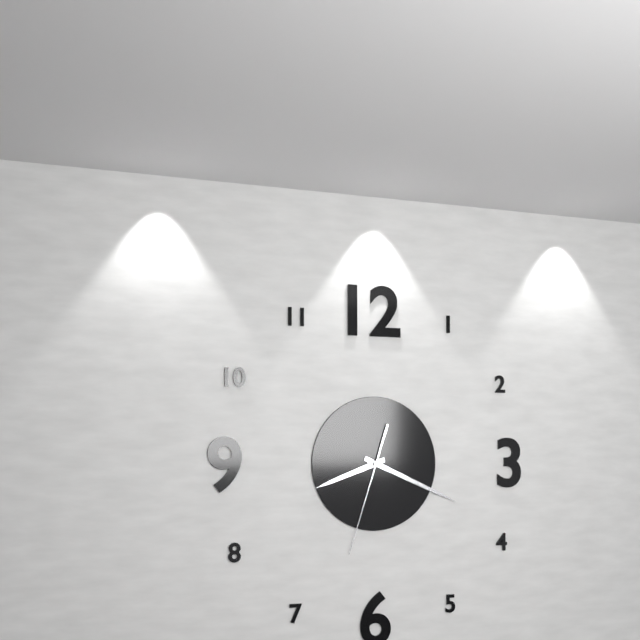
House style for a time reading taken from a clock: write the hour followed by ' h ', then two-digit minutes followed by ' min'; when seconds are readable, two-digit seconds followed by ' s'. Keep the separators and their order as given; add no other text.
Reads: 8 h 19 min 33 s
